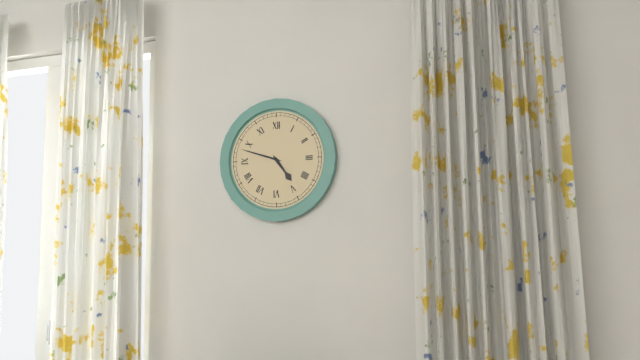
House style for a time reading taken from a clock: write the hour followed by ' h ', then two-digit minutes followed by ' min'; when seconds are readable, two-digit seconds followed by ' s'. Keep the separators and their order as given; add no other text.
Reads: 4 h 48 min
